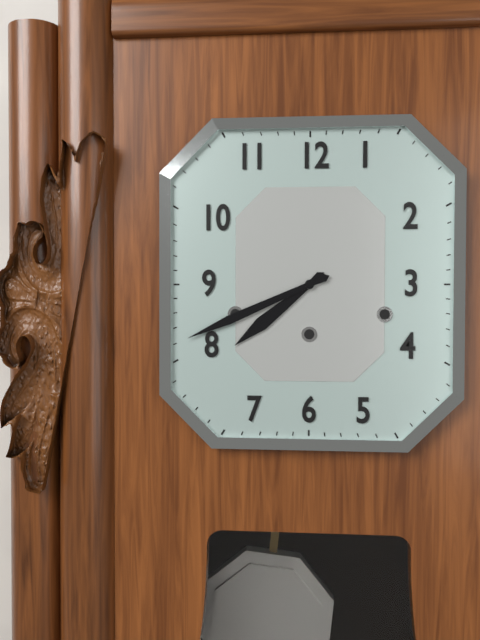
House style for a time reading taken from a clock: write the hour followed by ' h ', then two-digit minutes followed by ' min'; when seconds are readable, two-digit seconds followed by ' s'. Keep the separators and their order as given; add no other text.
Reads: 7 h 41 min
